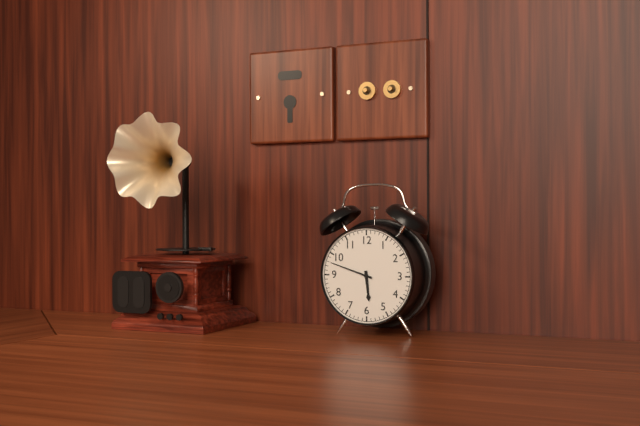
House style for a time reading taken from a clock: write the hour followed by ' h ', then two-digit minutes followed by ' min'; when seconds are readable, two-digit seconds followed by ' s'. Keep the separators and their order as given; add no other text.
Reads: 5 h 48 min
